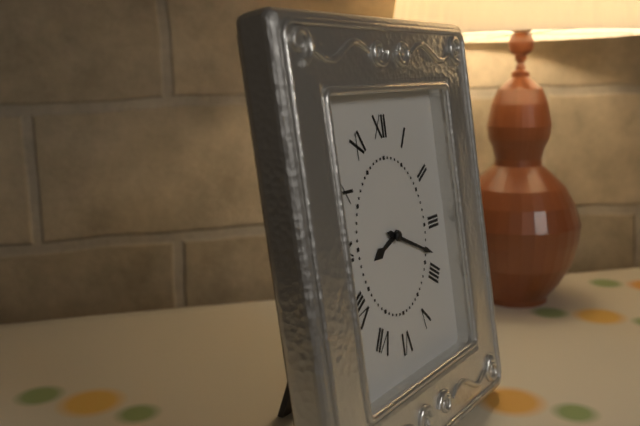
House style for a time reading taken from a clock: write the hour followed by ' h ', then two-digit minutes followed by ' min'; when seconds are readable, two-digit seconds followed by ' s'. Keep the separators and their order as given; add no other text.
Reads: 8 h 19 min
